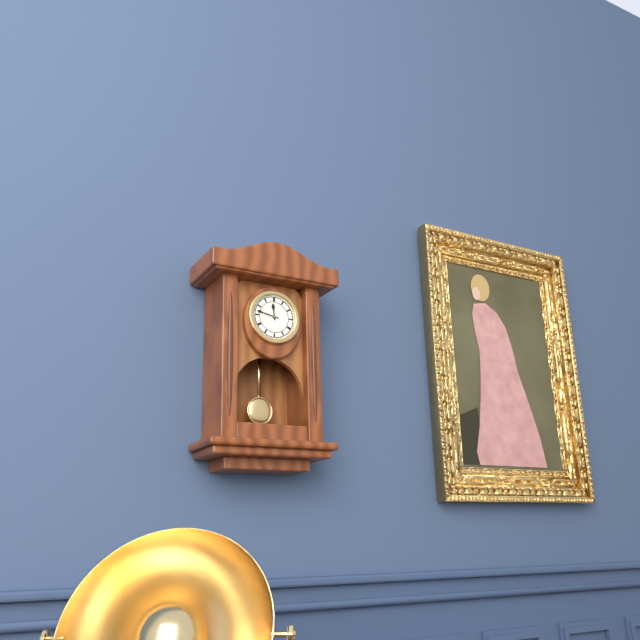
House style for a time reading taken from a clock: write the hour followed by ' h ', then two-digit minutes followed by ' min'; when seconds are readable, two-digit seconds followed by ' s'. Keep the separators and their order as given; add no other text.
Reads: 11 h 47 min
